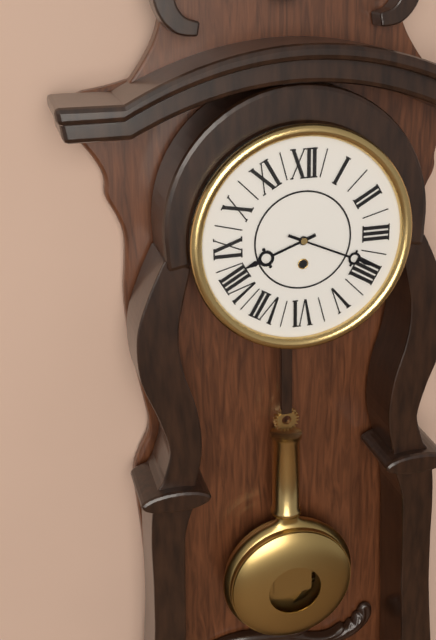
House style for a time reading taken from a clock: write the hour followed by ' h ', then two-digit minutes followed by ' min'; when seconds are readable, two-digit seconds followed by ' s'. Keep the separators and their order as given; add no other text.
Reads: 8 h 19 min
